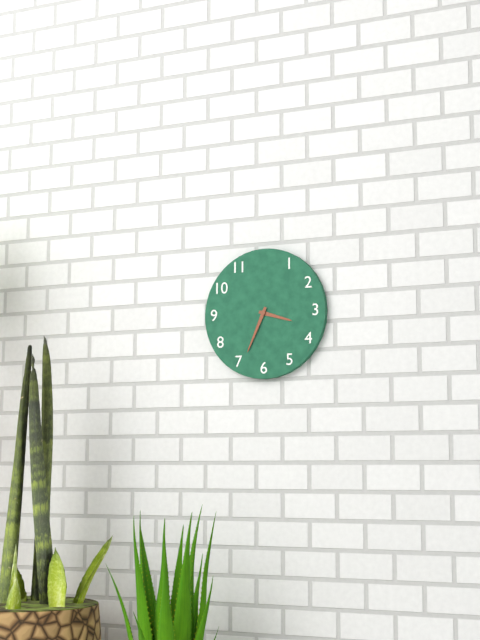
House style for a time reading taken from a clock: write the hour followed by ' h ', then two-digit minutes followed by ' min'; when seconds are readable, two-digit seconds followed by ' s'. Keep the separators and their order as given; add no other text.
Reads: 3 h 34 min
